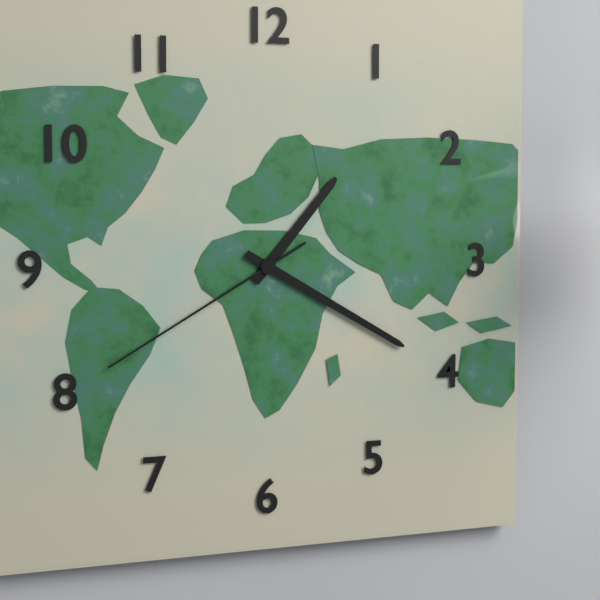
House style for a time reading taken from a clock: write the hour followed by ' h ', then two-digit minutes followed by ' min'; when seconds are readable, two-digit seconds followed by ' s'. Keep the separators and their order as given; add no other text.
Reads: 1 h 20 min 40 s
